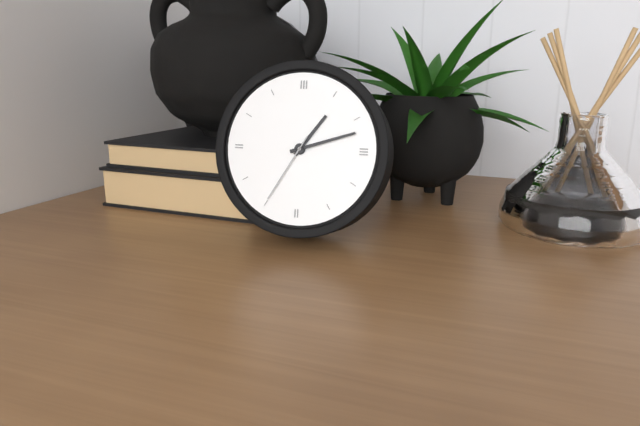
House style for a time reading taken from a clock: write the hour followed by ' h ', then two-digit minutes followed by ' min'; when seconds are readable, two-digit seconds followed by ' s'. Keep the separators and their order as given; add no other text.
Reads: 1 h 12 min 35 s
